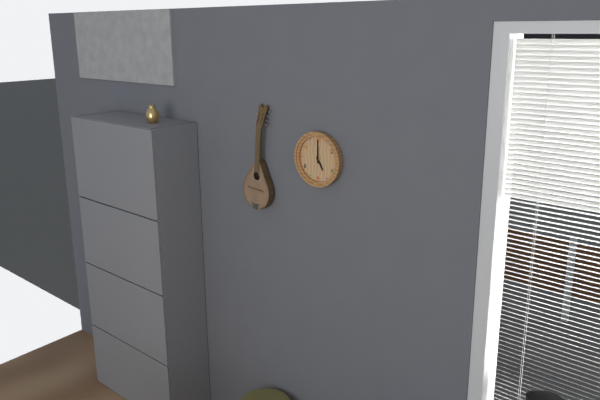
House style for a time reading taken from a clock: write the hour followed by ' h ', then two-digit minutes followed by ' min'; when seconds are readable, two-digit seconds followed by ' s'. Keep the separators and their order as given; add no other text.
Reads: 5 h 00 min
